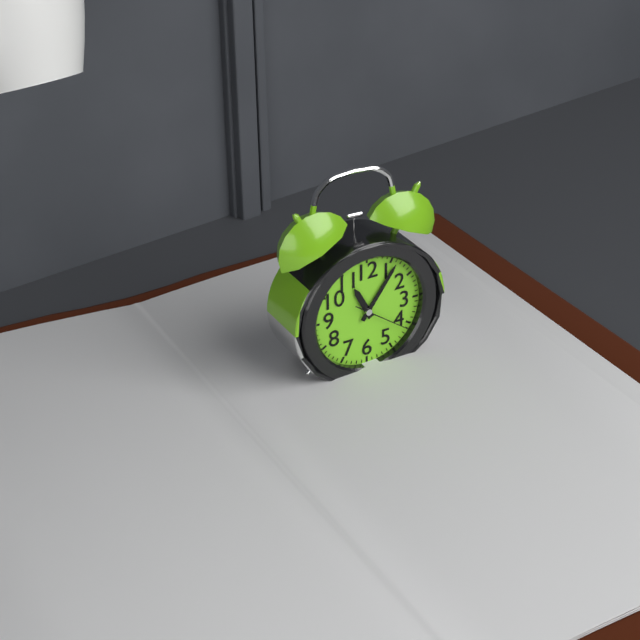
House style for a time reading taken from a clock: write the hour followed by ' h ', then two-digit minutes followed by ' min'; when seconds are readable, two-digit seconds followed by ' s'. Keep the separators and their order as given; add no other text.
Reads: 11 h 06 min 21 s
